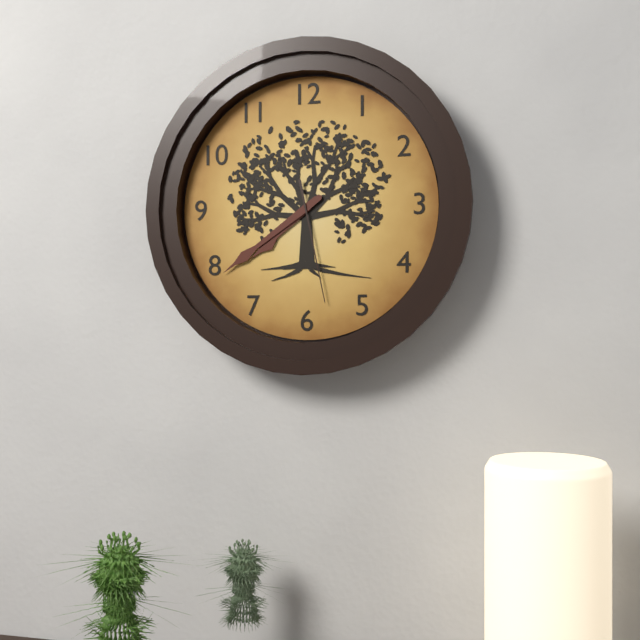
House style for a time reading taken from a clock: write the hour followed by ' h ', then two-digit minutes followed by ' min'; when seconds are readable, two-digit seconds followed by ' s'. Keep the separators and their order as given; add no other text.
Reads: 7 h 39 min 28 s
